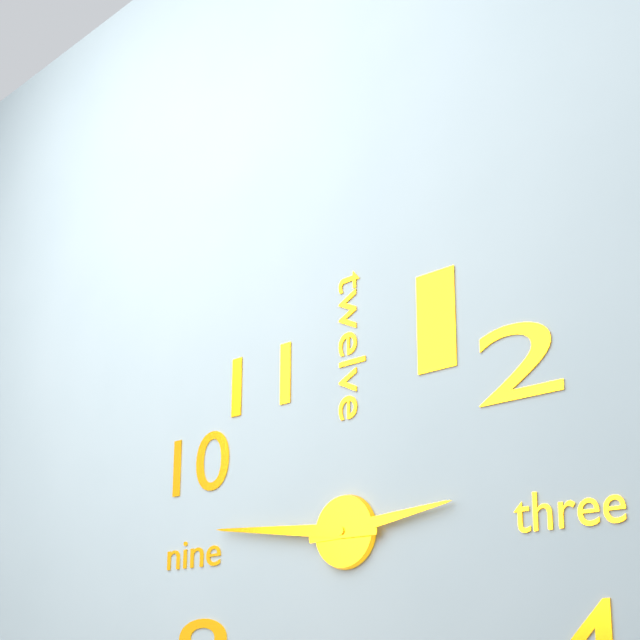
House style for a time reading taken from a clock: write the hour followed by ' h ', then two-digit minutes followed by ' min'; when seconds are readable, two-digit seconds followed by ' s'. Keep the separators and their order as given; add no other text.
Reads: 2 h 46 min
